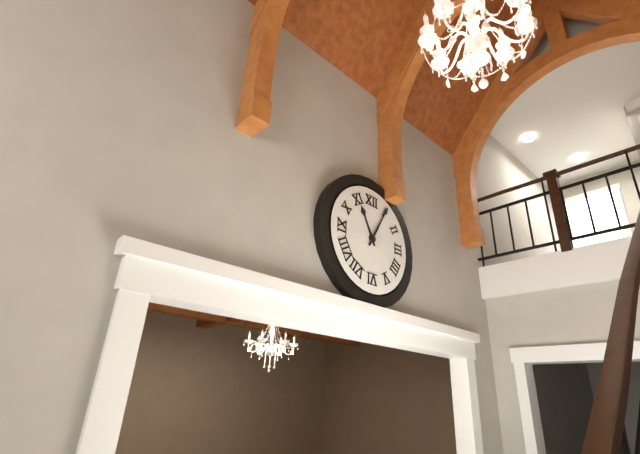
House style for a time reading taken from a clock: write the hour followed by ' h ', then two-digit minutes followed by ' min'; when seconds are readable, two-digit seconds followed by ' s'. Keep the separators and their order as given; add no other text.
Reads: 11 h 05 min
